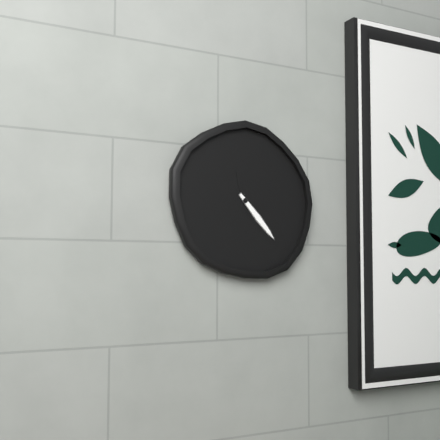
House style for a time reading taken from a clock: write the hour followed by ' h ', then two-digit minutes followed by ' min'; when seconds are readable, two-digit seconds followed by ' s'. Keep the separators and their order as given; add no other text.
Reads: 11 h 23 min
